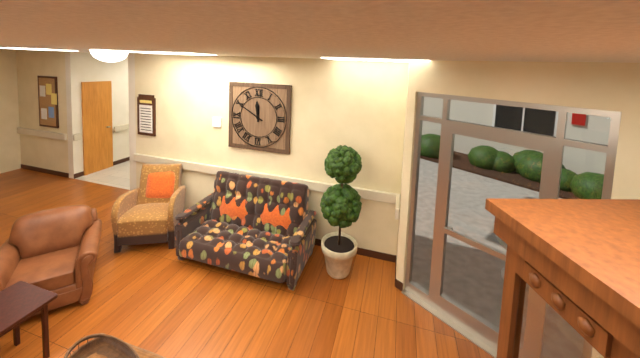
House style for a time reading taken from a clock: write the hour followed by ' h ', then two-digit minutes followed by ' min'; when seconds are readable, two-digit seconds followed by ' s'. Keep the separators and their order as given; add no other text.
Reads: 11 h 50 min
